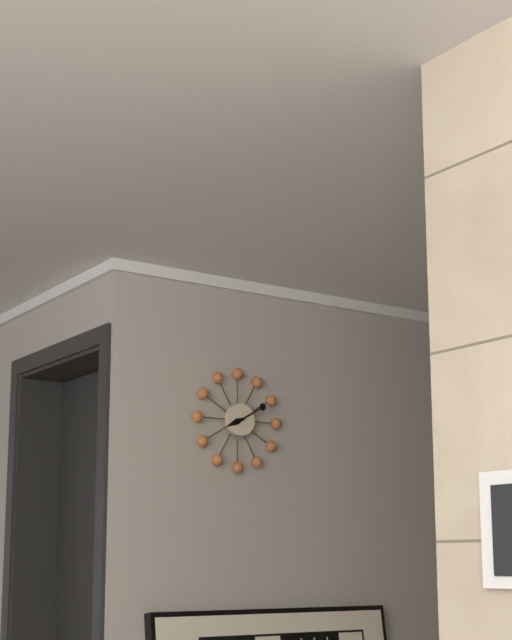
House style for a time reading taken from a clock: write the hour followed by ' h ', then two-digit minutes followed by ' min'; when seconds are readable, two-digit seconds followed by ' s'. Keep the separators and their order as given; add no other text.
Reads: 8 h 10 min
